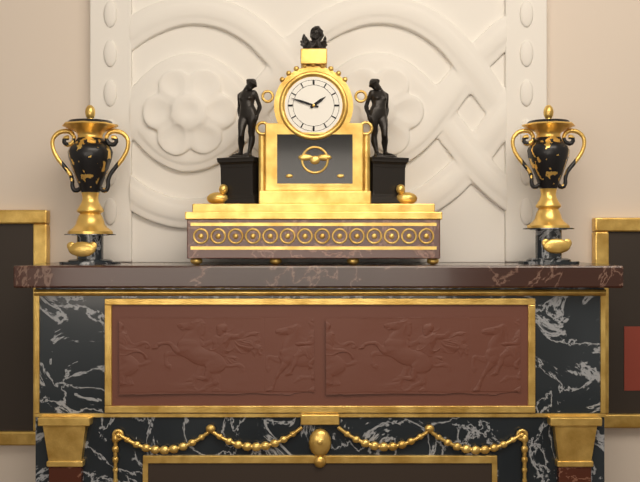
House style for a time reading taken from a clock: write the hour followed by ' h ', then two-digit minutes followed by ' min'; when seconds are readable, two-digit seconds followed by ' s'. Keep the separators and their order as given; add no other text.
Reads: 1 h 48 min
